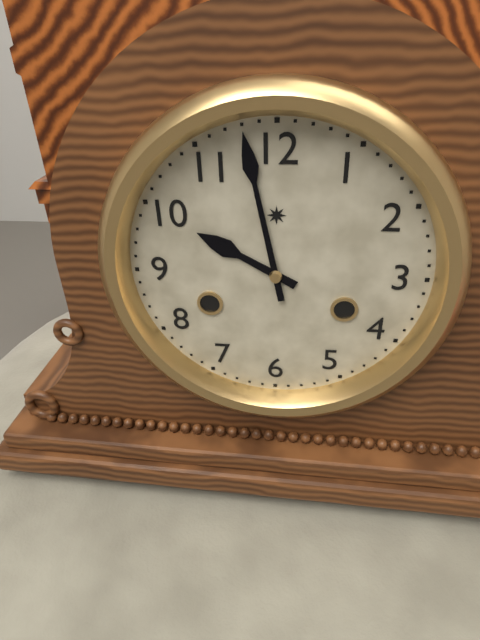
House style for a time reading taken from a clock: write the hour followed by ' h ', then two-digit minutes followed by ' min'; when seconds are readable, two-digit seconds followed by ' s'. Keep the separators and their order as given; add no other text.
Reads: 9 h 58 min
